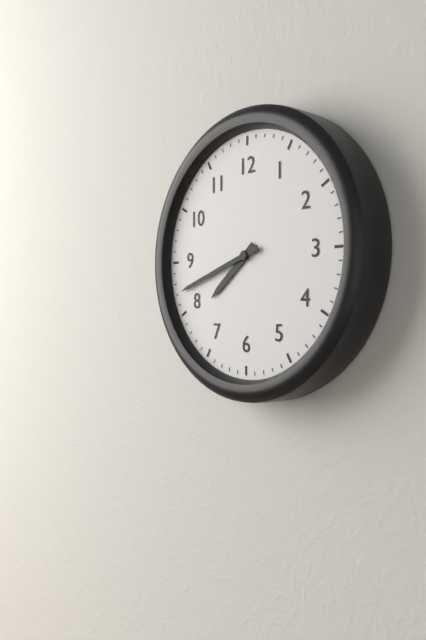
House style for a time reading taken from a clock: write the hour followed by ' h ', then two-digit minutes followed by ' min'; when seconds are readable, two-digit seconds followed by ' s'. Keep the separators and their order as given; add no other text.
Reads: 7 h 42 min
